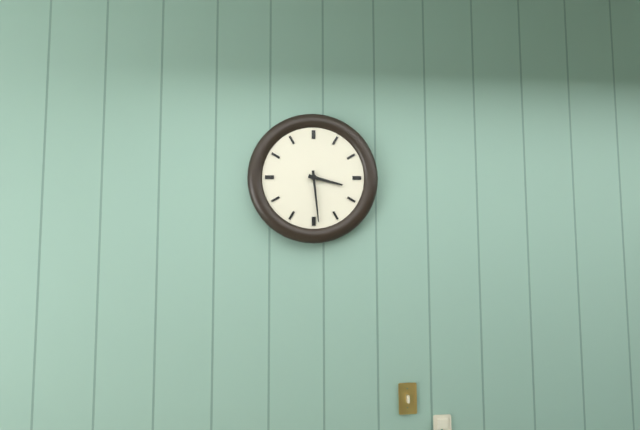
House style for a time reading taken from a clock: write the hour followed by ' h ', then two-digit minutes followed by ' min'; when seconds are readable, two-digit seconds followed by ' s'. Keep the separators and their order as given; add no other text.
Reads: 3 h 29 min
